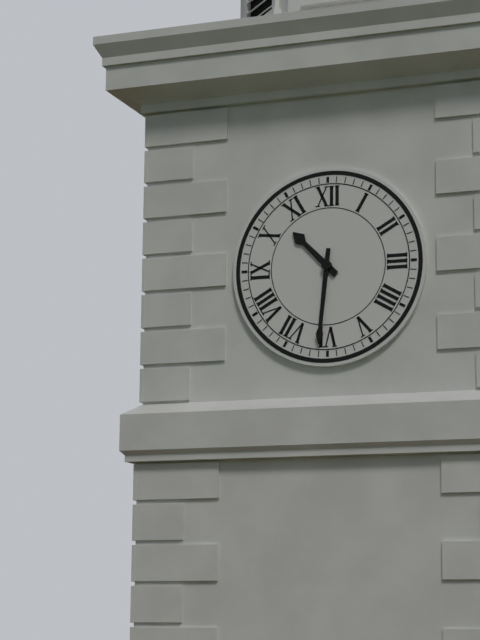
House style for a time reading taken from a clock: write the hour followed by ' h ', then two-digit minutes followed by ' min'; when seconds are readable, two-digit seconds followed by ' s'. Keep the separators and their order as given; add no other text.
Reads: 10 h 31 min
